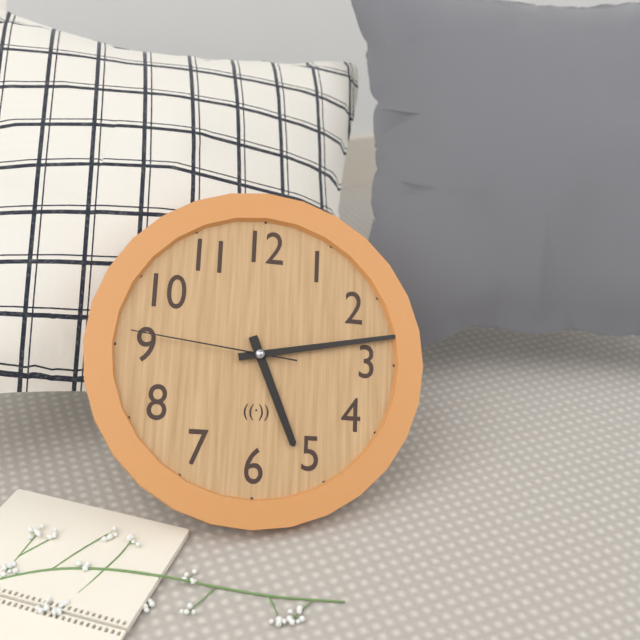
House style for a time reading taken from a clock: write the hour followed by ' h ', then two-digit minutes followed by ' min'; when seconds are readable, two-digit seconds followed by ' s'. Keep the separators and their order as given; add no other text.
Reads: 5 h 13 min 46 s
